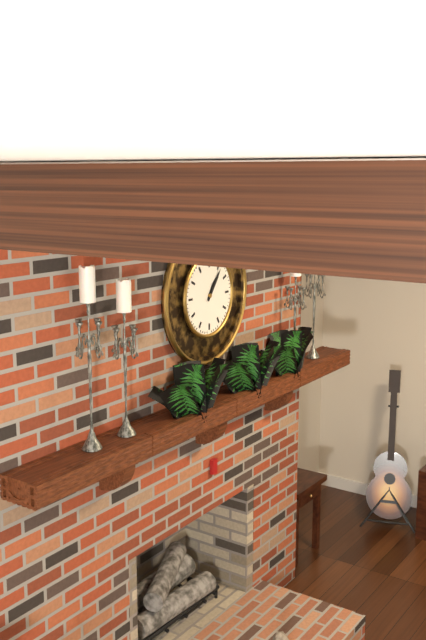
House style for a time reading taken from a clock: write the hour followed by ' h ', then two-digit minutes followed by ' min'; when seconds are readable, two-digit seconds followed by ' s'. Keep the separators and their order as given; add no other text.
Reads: 1 h 06 min
